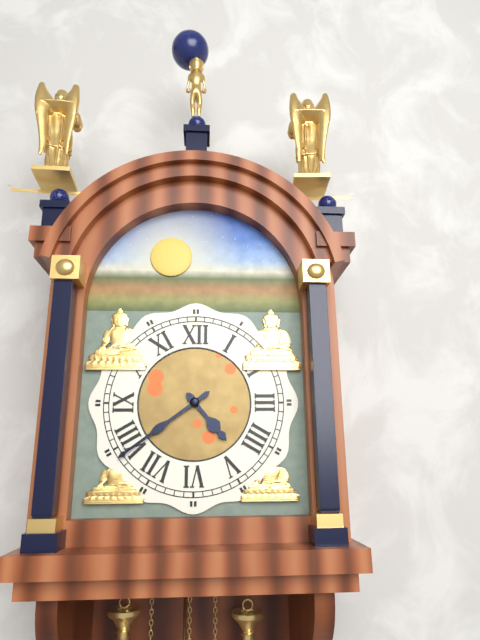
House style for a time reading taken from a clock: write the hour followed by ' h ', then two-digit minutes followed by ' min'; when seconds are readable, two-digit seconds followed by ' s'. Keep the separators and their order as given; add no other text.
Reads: 4 h 39 min
